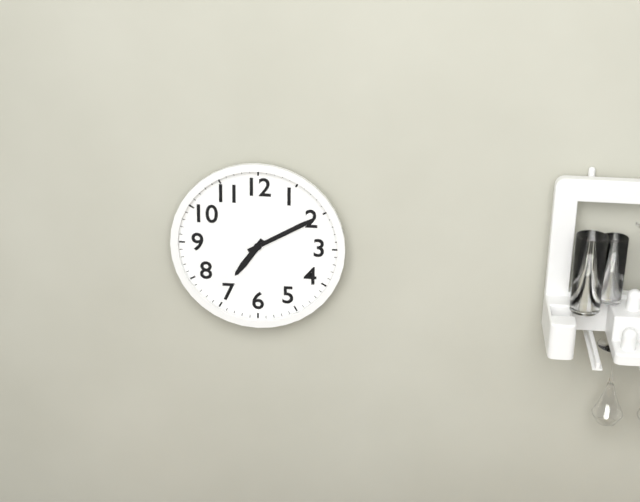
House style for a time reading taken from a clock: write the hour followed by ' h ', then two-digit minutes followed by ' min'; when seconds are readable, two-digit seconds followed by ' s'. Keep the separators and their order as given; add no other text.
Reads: 7 h 10 min
